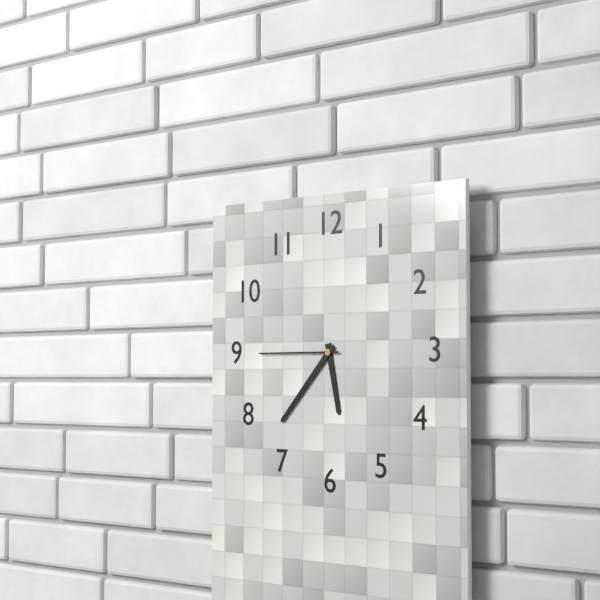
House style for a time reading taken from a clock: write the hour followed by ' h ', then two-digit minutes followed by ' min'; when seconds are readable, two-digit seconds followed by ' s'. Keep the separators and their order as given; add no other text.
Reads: 5 h 37 min 45 s
